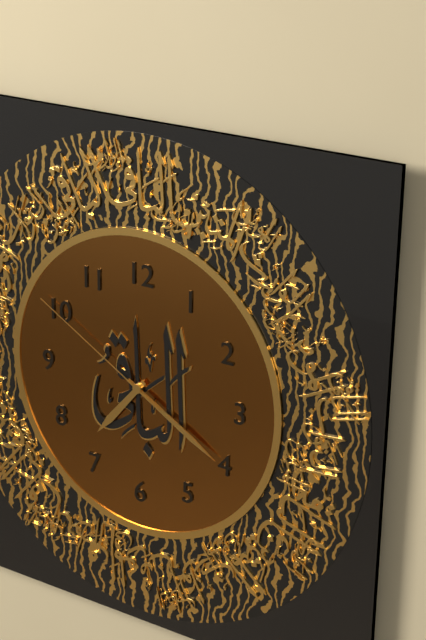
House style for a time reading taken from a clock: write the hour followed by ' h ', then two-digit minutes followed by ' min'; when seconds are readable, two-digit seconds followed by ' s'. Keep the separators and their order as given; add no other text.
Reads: 7 h 20 min 50 s
